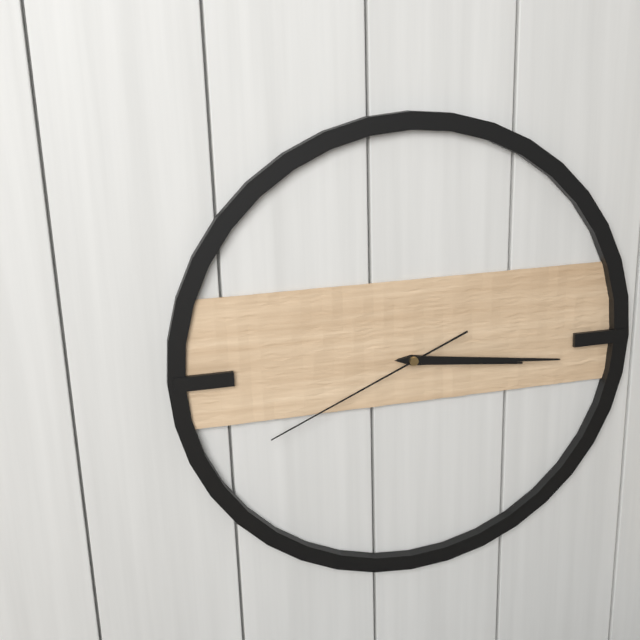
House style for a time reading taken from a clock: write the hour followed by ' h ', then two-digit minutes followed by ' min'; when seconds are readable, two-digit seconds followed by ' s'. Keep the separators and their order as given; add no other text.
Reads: 3 h 16 min 41 s
